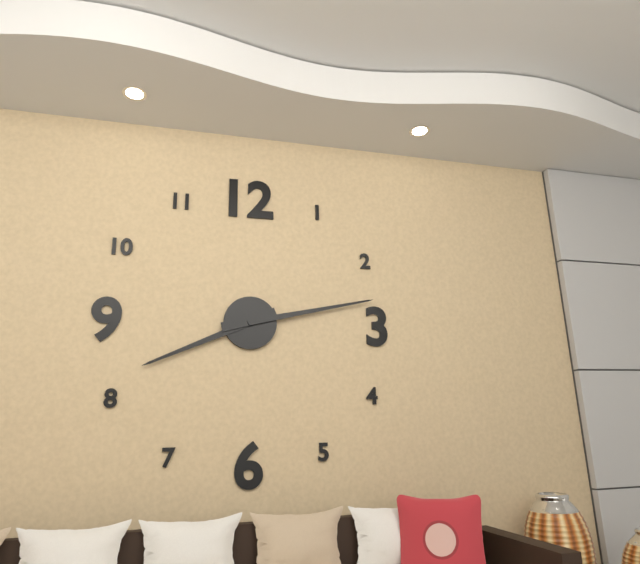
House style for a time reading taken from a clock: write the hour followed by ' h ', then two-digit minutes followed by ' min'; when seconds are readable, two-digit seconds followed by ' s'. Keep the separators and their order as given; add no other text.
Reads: 8 h 13 min
